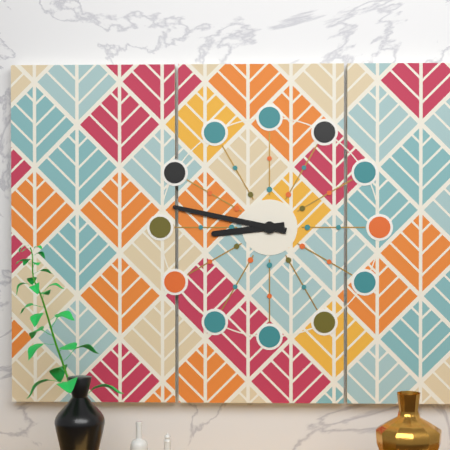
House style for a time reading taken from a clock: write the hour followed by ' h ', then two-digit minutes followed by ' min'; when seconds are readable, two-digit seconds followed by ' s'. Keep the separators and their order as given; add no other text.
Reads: 8 h 47 min
